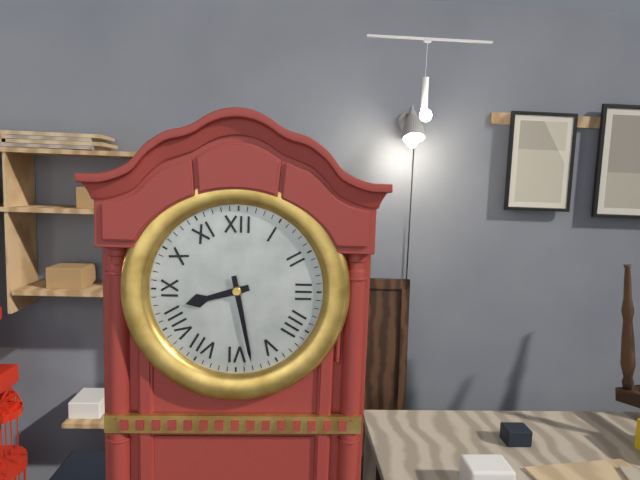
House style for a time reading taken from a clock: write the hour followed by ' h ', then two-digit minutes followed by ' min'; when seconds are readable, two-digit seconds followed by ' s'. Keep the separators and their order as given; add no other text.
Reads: 8 h 28 min
